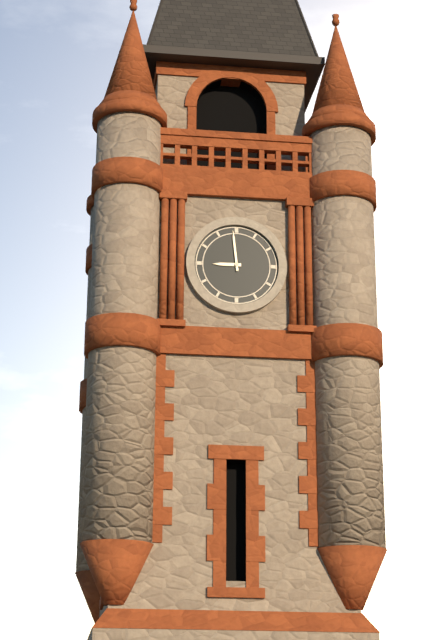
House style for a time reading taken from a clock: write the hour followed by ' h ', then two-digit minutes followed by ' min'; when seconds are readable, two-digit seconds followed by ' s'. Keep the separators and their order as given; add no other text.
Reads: 8 h 59 min
